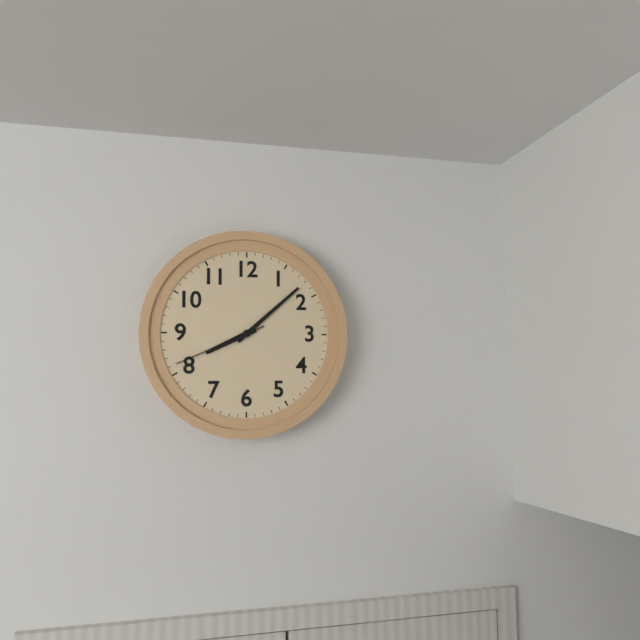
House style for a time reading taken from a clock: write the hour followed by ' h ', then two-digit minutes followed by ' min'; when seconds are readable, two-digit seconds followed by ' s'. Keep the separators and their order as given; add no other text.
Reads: 8 h 08 min 41 s
